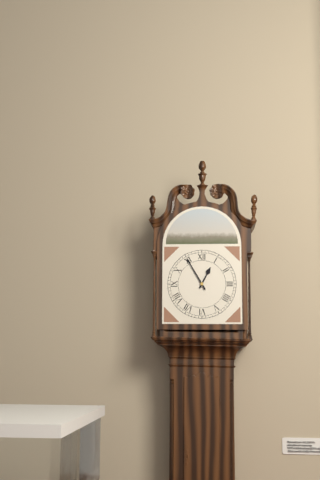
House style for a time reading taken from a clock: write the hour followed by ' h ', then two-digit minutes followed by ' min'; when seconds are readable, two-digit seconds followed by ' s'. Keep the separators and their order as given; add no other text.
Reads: 12 h 55 min
